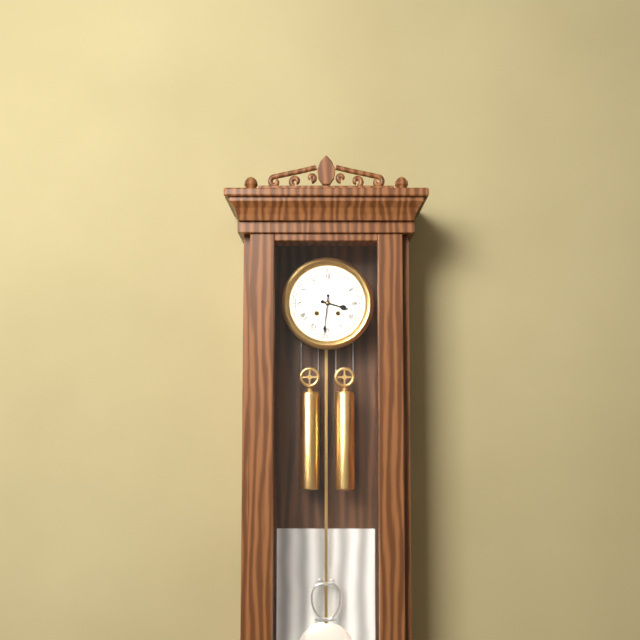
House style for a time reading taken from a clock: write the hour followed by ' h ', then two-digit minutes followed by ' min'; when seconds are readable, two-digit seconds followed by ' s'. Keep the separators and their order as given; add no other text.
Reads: 3 h 31 min
